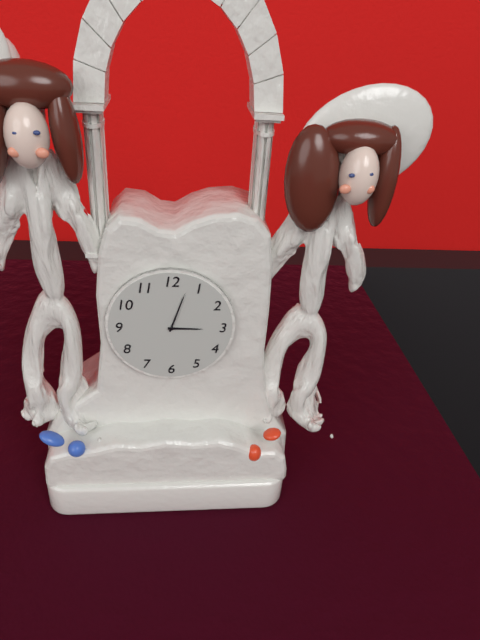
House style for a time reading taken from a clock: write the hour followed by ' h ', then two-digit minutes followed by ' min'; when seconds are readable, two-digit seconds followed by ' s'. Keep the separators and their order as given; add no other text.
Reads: 3 h 03 min
